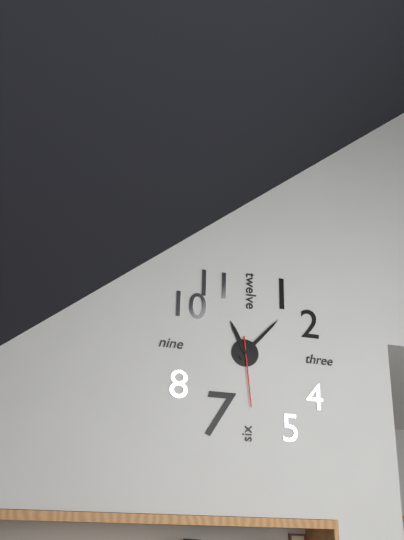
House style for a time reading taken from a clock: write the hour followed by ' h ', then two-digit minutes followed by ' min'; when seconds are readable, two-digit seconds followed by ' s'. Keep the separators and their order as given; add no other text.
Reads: 11 h 07 min 29 s
